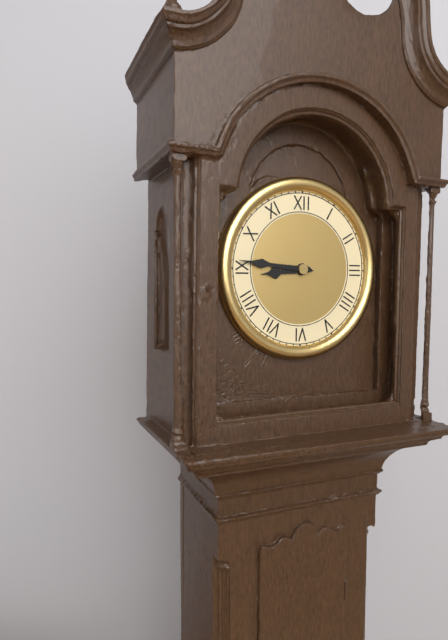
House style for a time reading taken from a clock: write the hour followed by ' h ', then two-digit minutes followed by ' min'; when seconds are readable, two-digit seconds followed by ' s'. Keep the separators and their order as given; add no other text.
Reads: 8 h 46 min
